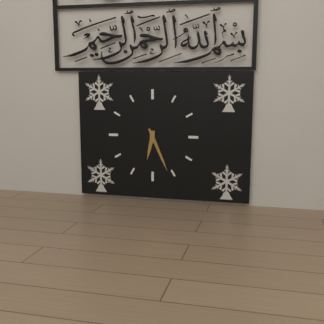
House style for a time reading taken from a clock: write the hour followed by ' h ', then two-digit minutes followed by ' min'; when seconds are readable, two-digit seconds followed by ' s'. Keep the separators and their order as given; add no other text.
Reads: 6 h 26 min
